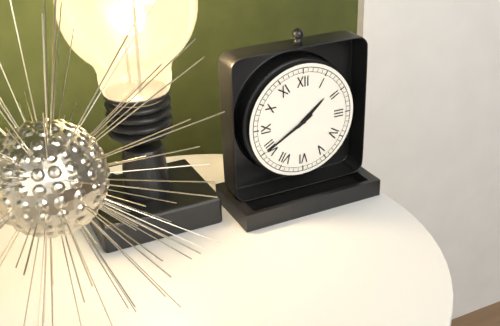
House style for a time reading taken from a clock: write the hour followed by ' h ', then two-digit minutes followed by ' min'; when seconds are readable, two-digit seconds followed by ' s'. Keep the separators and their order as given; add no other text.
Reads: 1 h 40 min
